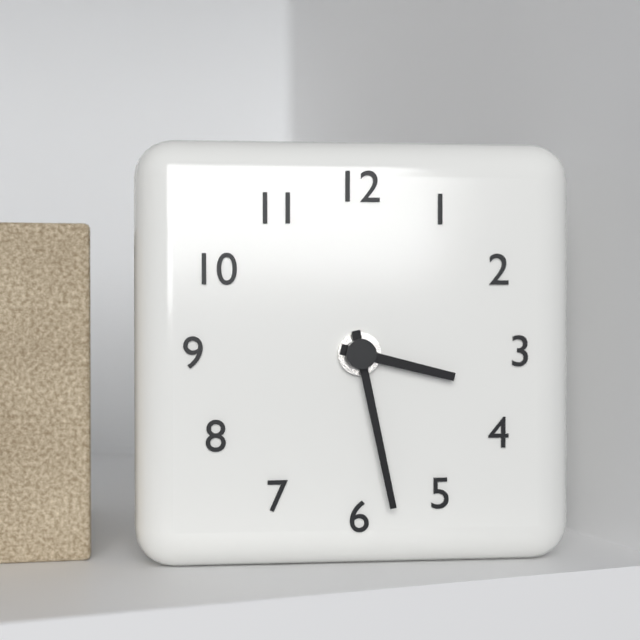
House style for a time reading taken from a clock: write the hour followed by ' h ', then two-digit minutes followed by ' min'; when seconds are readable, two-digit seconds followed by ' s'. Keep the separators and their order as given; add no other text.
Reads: 3 h 28 min
